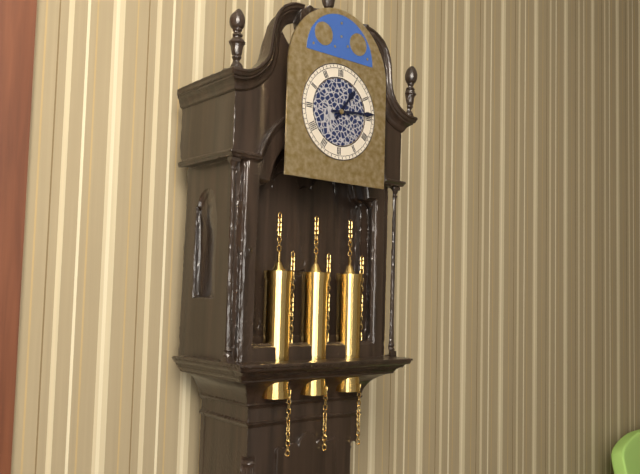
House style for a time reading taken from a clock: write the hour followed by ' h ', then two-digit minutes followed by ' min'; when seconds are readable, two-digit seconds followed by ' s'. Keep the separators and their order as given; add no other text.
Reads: 1 h 14 min
